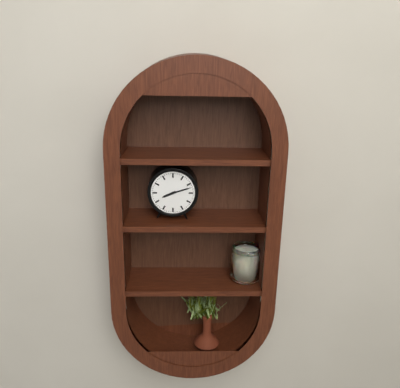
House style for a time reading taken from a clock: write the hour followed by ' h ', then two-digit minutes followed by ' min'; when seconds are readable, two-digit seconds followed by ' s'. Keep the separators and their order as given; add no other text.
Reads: 8 h 12 min
